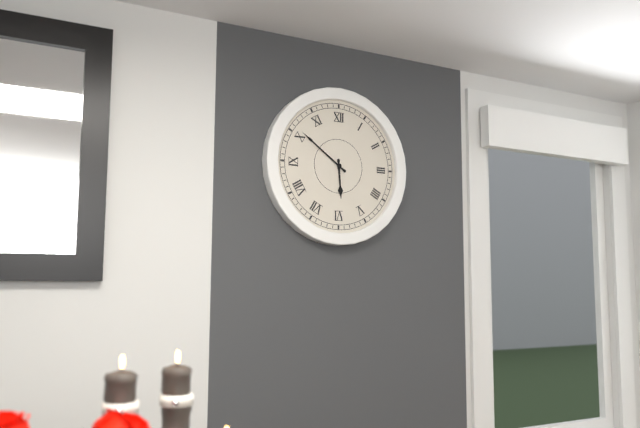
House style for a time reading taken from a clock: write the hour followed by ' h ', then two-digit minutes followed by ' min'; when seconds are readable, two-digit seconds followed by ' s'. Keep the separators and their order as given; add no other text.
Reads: 5 h 51 min
